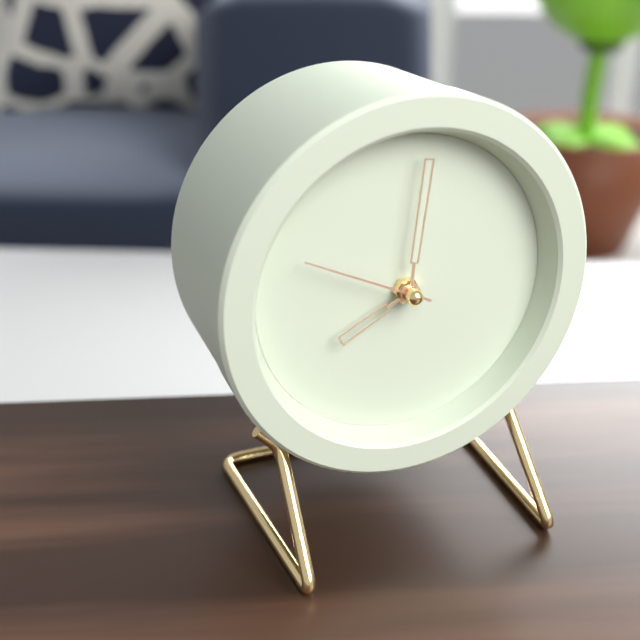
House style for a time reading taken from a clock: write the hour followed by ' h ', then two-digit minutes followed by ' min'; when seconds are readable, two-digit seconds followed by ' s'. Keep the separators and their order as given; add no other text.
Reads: 8 h 01 min 49 s
